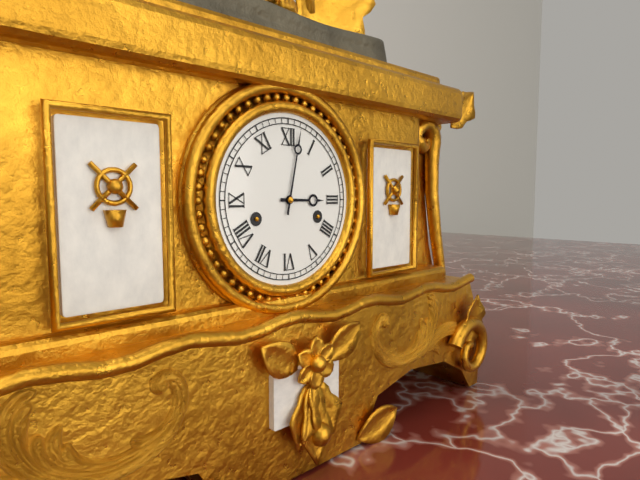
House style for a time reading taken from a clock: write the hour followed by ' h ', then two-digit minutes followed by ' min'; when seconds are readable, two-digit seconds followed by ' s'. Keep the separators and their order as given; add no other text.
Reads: 3 h 02 min
